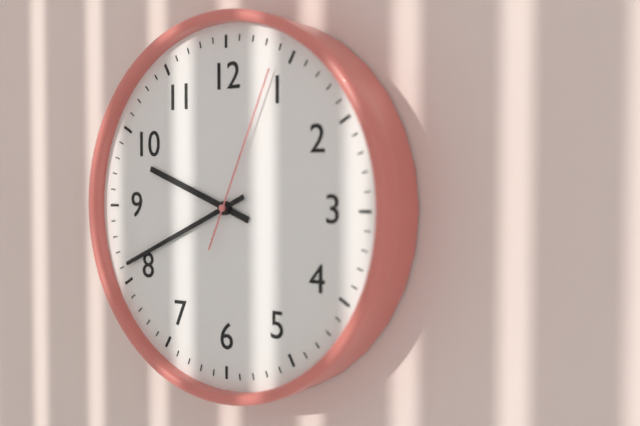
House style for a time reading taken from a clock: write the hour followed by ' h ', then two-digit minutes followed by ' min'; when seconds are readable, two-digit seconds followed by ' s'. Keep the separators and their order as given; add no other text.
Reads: 9 h 41 min 04 s
